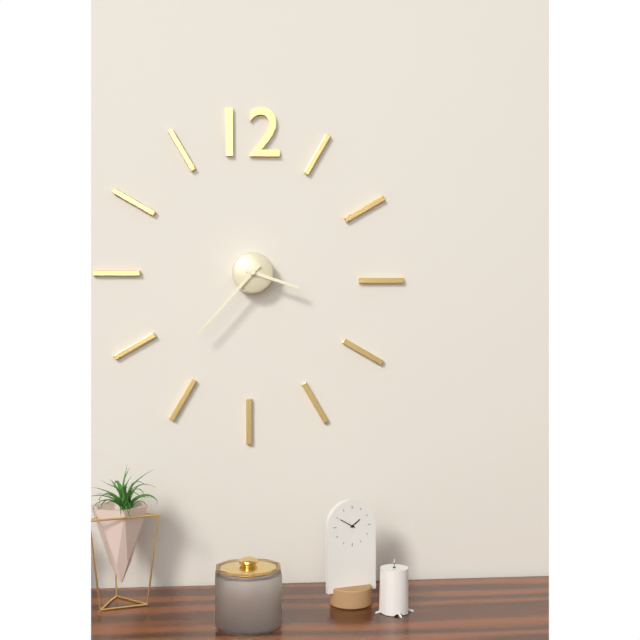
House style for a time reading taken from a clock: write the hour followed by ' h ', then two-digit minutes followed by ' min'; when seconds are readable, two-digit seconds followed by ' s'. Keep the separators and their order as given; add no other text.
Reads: 3 h 37 min
